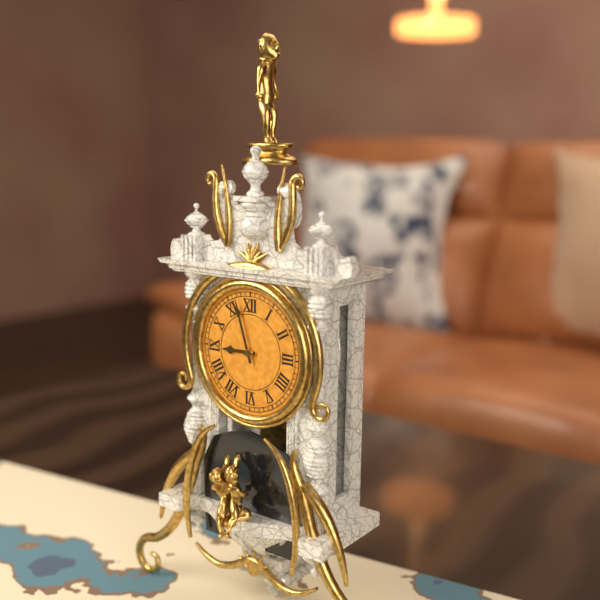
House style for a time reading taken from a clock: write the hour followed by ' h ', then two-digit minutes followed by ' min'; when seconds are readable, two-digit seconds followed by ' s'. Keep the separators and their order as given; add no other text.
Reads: 8 h 57 min
